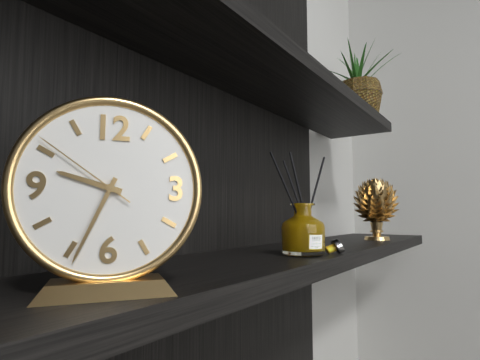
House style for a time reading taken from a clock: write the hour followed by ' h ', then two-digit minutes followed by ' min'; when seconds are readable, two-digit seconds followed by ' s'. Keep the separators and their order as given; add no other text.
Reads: 9 h 34 min 51 s
